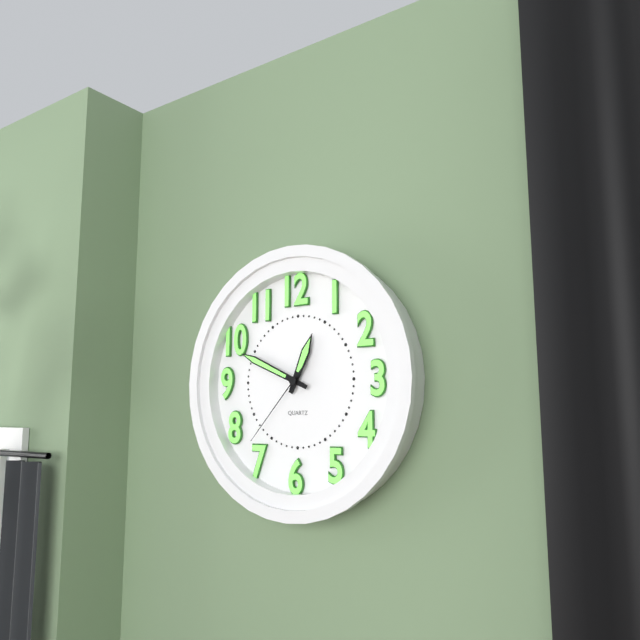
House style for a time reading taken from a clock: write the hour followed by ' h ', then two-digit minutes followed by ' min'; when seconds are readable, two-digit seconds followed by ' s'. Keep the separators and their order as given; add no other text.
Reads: 12 h 49 min 37 s
